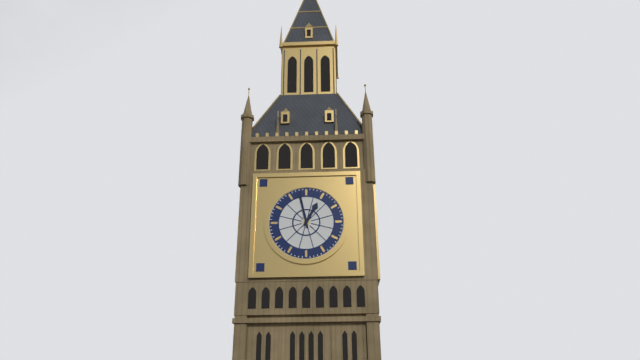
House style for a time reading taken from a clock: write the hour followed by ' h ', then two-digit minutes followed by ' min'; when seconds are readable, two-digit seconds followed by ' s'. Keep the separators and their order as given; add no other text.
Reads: 12 h 58 min
